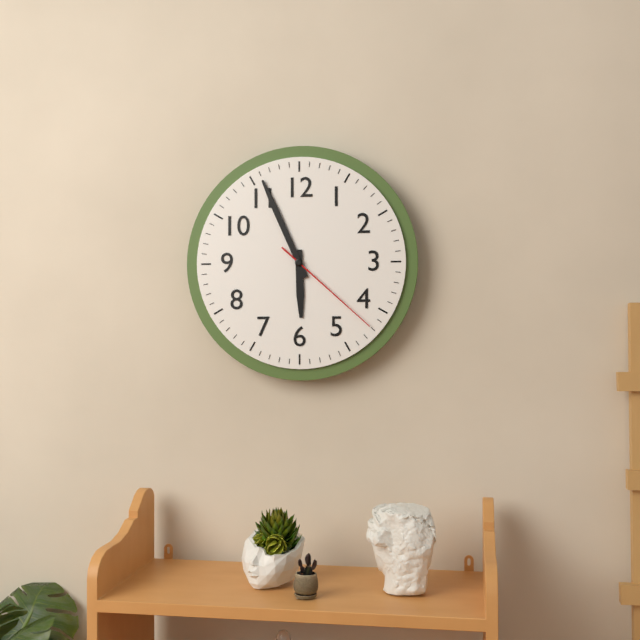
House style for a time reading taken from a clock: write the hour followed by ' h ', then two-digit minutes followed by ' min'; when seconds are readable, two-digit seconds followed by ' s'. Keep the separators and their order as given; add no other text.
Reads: 5 h 56 min 22 s
